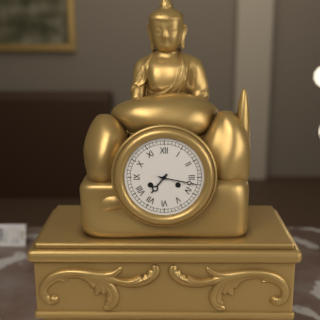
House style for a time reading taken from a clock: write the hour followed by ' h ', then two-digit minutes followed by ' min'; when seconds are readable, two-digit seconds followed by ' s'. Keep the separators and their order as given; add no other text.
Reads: 7 h 17 min
